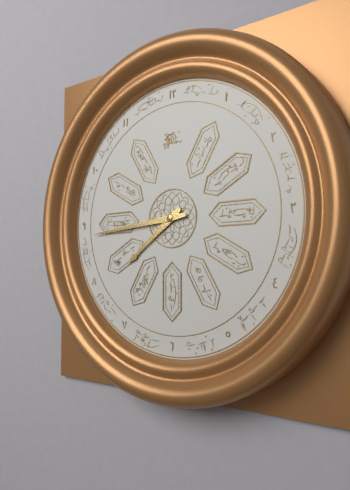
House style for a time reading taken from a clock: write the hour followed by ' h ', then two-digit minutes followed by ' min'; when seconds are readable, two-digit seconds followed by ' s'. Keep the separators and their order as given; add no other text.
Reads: 7 h 44 min
